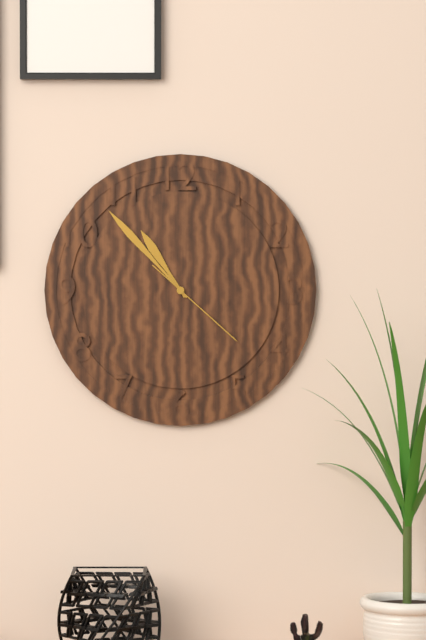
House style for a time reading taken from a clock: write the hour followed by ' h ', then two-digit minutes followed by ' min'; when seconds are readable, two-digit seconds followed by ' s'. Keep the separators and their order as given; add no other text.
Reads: 10 h 53 min 22 s
